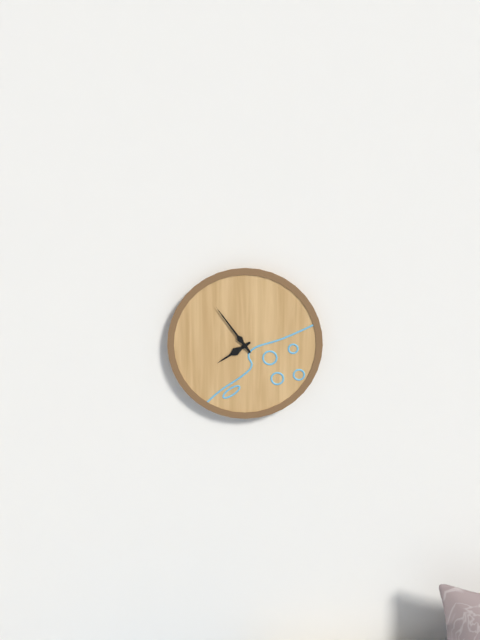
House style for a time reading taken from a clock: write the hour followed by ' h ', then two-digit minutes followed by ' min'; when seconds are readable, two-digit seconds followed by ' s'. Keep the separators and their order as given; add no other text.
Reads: 7 h 54 min
